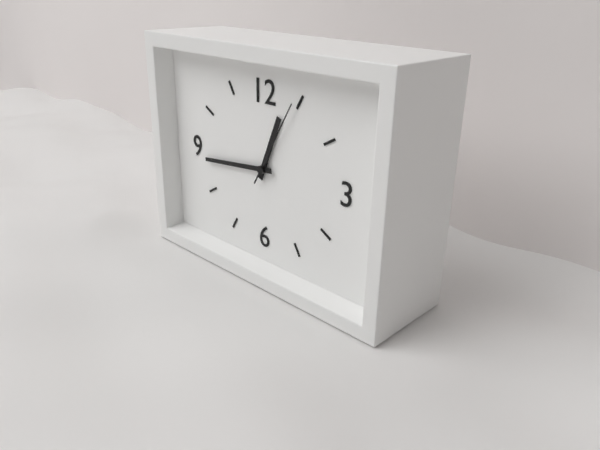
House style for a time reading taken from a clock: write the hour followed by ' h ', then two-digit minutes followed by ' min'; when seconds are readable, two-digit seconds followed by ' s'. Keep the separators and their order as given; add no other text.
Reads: 12 h 44 min 05 s
